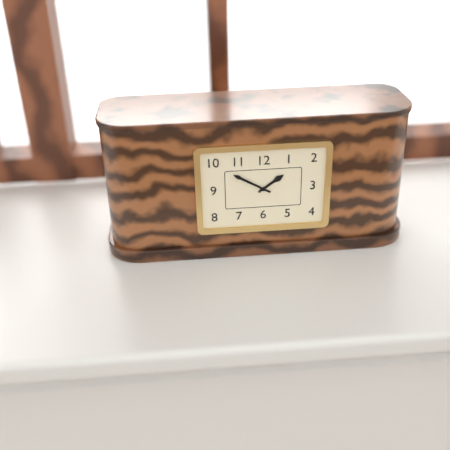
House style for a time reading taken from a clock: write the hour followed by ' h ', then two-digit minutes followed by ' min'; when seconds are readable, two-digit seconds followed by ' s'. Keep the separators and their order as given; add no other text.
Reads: 1 h 50 min
